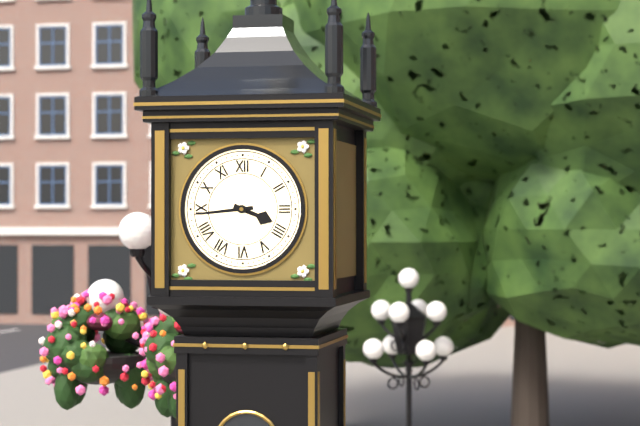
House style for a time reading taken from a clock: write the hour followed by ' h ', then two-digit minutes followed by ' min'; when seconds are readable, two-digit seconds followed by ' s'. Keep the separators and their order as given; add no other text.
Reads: 3 h 44 min
